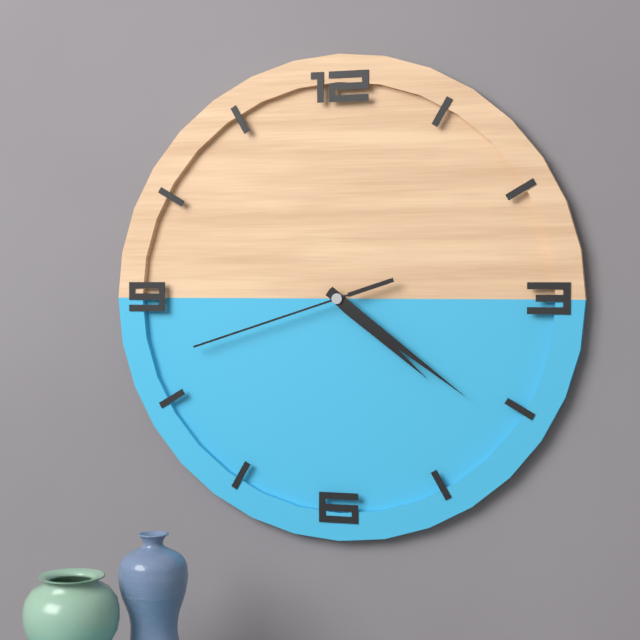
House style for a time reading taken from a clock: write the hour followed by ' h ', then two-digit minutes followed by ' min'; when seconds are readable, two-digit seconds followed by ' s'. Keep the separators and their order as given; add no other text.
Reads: 4 h 21 min 42 s
